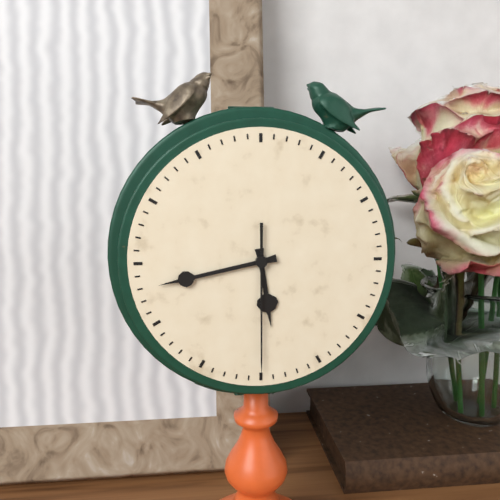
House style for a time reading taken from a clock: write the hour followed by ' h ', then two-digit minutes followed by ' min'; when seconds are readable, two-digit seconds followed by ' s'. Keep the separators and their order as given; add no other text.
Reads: 5 h 43 min 30 s
